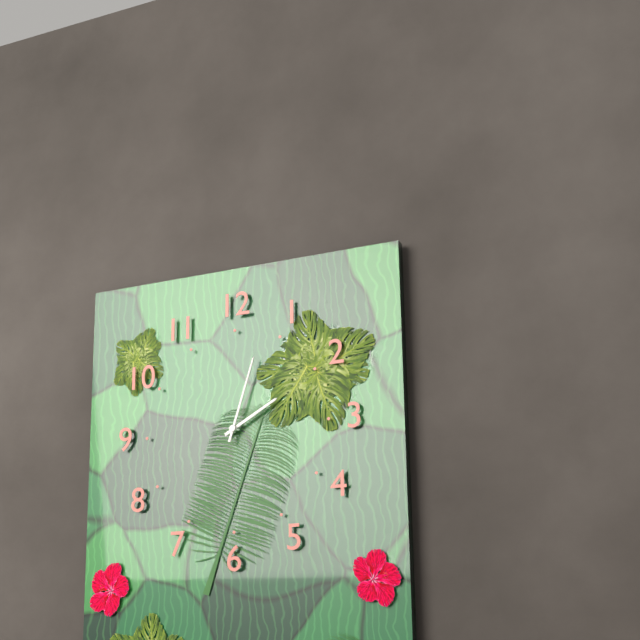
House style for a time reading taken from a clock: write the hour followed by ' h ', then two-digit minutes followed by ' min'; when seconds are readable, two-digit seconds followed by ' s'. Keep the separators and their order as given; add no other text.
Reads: 2 h 03 min
